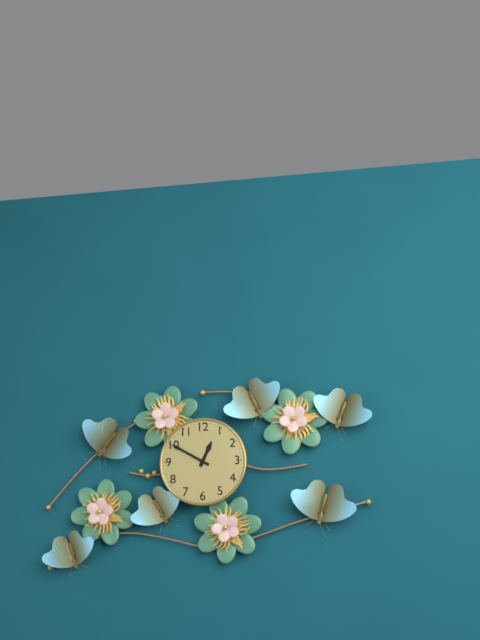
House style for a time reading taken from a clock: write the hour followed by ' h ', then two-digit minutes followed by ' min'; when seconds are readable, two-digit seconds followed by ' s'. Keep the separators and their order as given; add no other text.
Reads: 12 h 50 min
